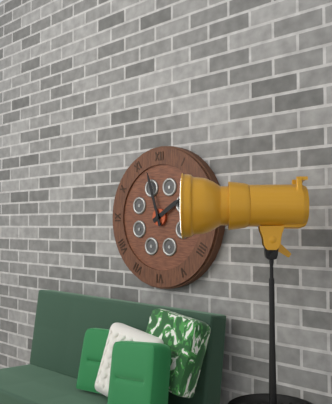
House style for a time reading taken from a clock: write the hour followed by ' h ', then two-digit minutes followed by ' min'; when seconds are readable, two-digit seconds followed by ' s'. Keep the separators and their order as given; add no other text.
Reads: 1 h 57 min
